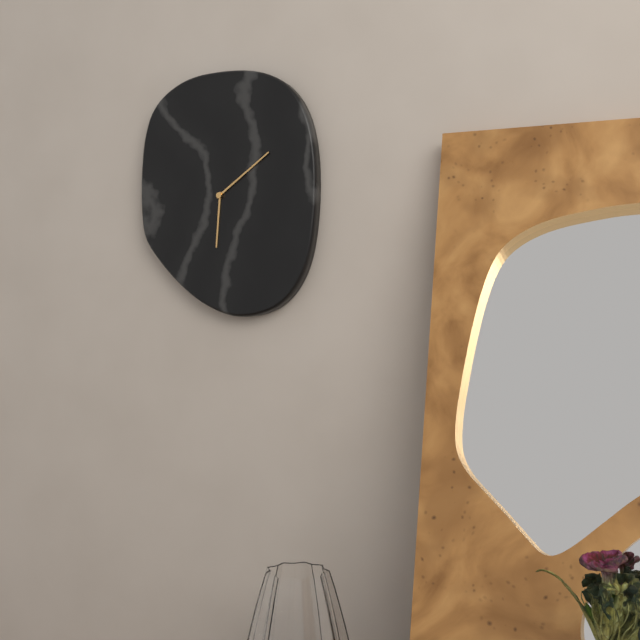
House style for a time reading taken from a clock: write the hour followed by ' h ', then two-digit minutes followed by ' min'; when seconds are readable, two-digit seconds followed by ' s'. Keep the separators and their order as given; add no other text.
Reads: 6 h 09 min
